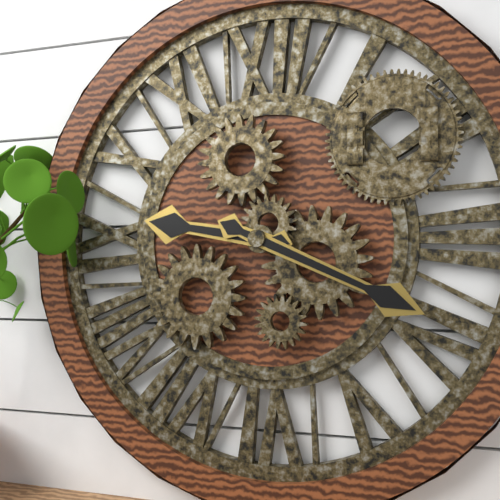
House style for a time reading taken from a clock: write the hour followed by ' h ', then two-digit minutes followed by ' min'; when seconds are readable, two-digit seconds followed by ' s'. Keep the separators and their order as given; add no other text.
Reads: 9 h 19 min
